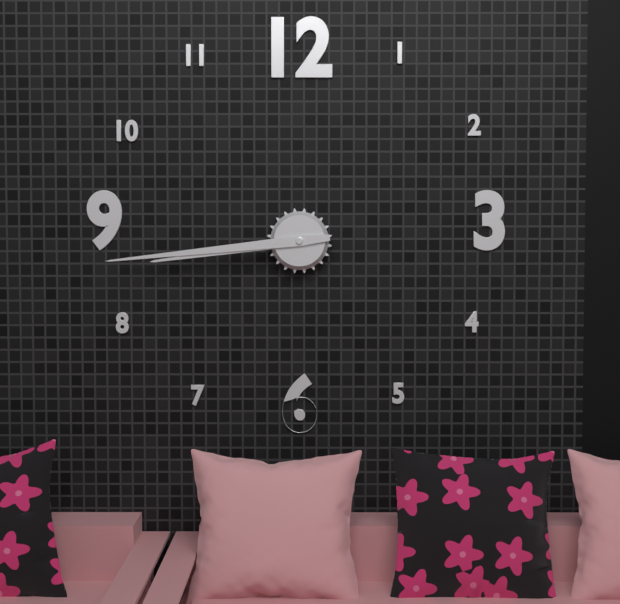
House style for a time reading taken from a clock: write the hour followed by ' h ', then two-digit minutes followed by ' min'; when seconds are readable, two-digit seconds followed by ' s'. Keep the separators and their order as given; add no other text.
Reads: 8 h 44 min
